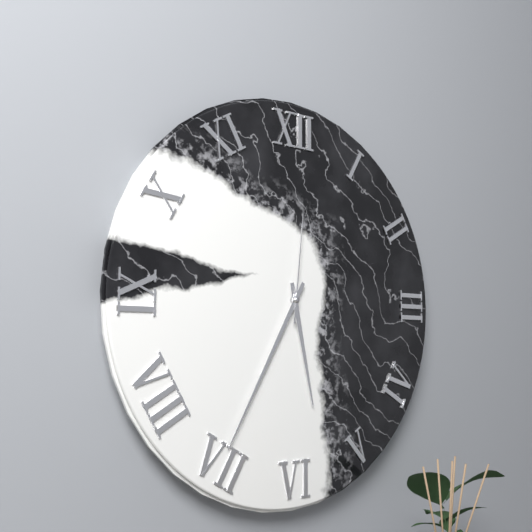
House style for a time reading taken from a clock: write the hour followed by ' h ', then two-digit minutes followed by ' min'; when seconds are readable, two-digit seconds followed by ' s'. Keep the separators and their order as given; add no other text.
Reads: 5 h 35 min 01 s
